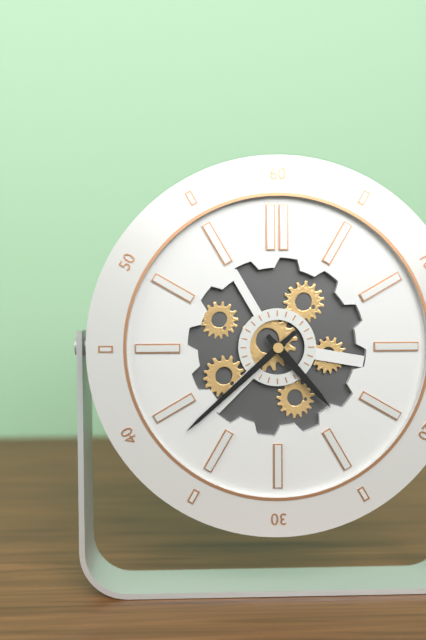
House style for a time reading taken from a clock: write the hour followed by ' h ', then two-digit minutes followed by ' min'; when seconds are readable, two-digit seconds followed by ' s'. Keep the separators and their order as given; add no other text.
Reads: 4 h 38 min
